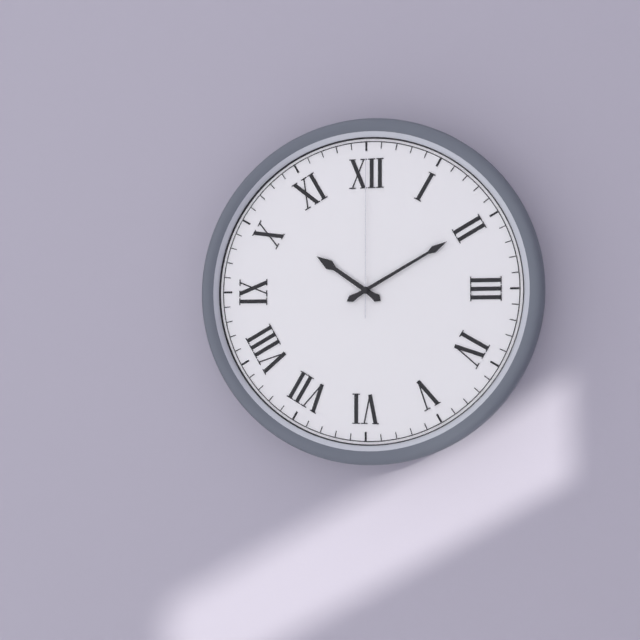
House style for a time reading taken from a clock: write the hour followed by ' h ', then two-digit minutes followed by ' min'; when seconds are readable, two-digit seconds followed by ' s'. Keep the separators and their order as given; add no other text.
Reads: 10 h 10 min 00 s
